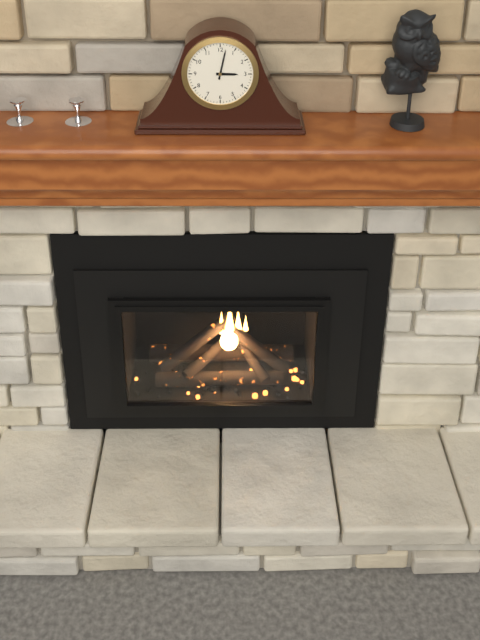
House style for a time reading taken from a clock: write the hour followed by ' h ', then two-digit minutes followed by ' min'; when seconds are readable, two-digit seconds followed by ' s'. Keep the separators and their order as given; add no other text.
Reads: 3 h 02 min
